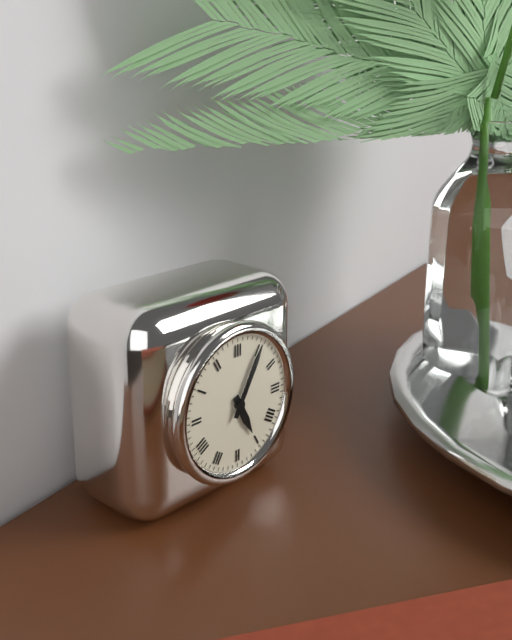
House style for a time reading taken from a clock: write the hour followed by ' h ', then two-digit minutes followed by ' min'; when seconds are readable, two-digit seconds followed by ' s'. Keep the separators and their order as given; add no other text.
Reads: 5 h 05 min
